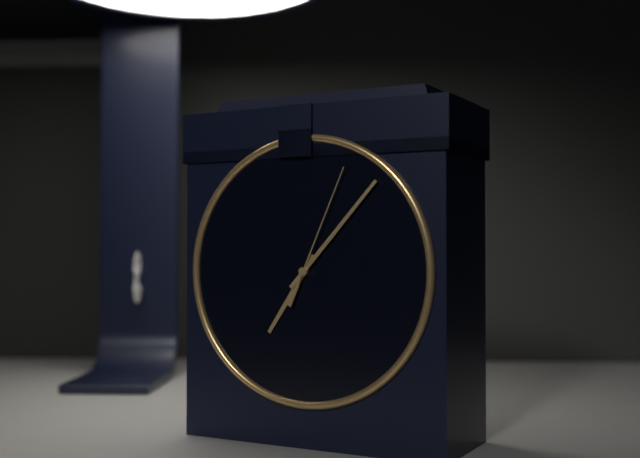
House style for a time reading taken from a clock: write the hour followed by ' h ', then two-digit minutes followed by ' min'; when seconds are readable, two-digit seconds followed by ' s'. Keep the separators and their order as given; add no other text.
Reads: 7 h 07 min 04 s
